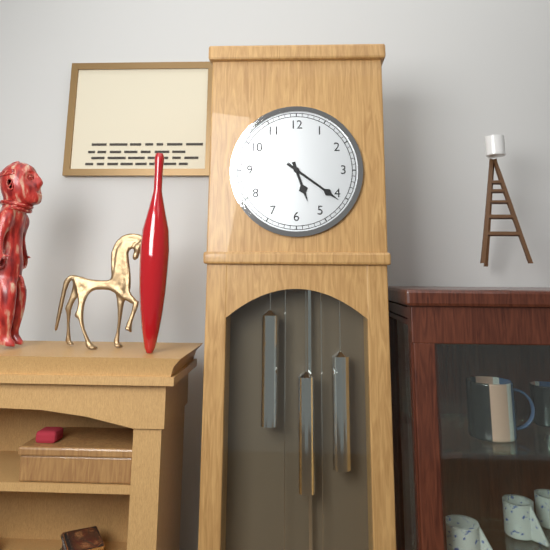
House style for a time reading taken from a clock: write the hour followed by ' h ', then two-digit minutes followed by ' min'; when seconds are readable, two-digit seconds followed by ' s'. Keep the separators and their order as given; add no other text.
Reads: 5 h 21 min
